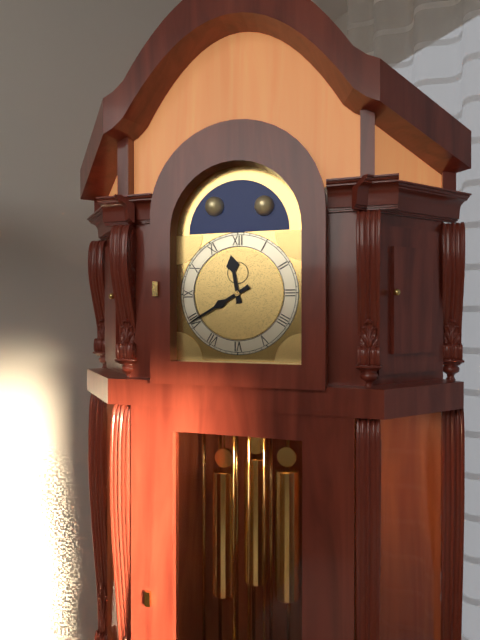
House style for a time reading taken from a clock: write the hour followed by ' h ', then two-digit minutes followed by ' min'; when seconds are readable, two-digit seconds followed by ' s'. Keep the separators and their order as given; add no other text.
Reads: 11 h 40 min
